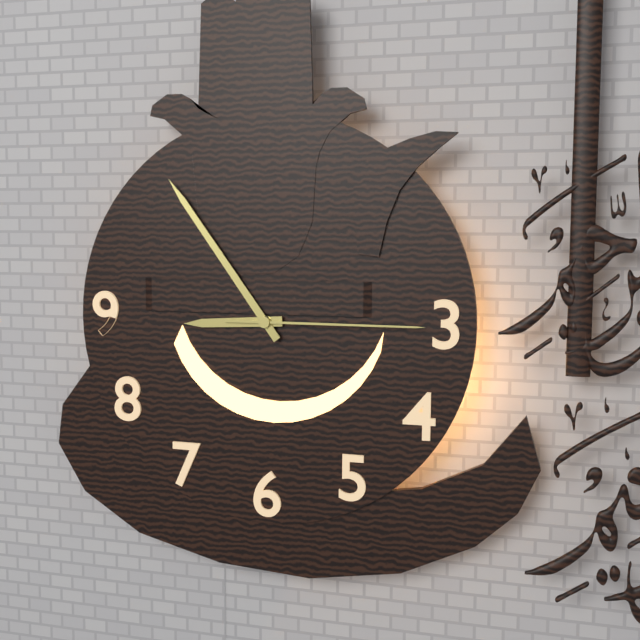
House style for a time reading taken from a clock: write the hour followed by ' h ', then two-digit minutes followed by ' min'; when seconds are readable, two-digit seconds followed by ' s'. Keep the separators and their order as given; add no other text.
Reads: 8 h 54 min 15 s
